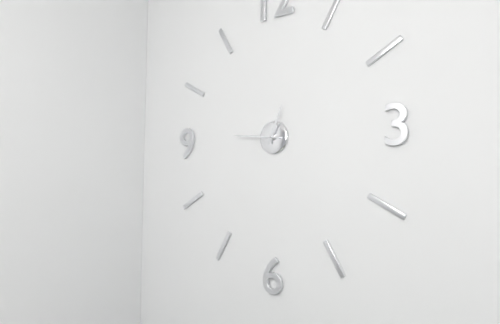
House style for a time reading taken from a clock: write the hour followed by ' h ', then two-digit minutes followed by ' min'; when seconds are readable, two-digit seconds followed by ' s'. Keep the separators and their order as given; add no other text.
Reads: 12 h 46 min
